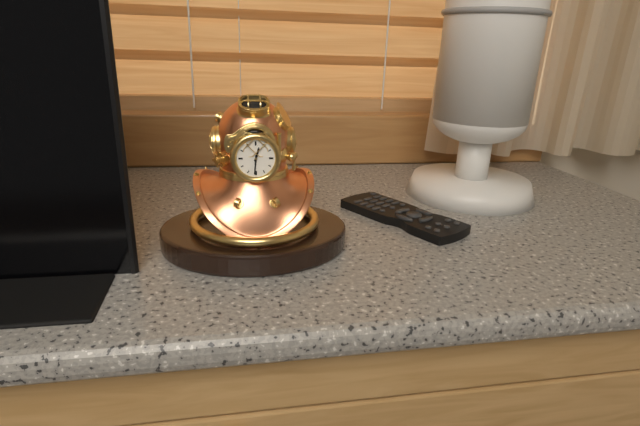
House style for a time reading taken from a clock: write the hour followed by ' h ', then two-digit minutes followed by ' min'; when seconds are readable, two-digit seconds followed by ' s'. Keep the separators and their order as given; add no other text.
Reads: 12 h 31 min
